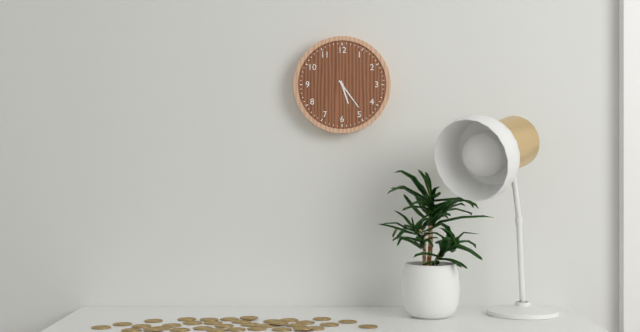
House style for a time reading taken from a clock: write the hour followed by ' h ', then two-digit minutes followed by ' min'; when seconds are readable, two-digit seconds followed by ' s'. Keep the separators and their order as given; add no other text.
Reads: 5 h 24 min
